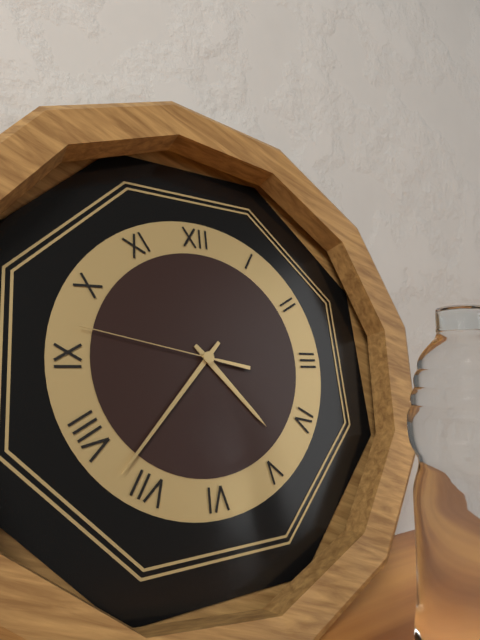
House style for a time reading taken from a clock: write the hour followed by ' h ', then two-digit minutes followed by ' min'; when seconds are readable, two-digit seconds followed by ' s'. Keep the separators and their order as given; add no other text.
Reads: 4 h 37 min 47 s
